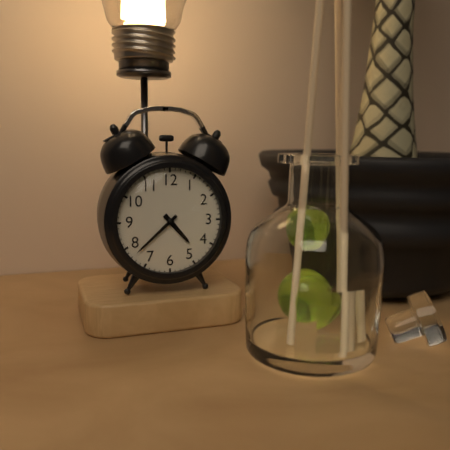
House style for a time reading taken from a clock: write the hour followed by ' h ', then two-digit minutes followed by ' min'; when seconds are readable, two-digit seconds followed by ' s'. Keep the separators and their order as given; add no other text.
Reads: 4 h 38 min
